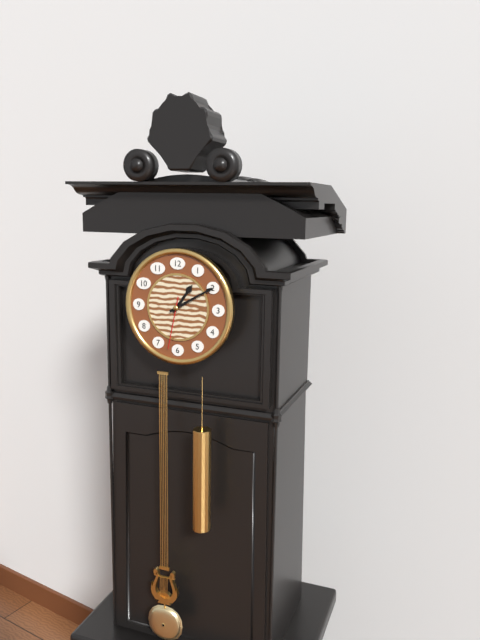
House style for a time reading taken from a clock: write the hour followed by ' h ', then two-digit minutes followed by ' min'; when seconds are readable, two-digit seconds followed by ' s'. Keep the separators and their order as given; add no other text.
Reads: 1 h 10 min 32 s
